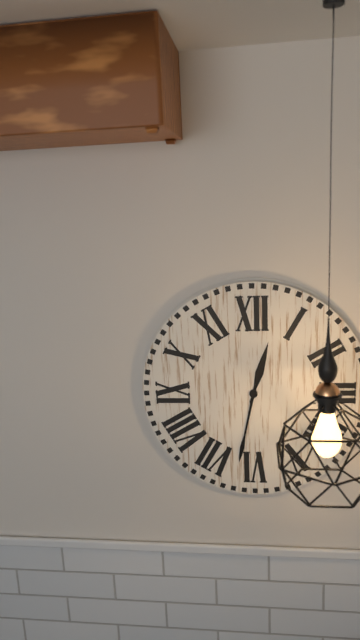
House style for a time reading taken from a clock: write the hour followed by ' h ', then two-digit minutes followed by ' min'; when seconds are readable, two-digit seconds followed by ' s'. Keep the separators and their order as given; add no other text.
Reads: 12 h 32 min
